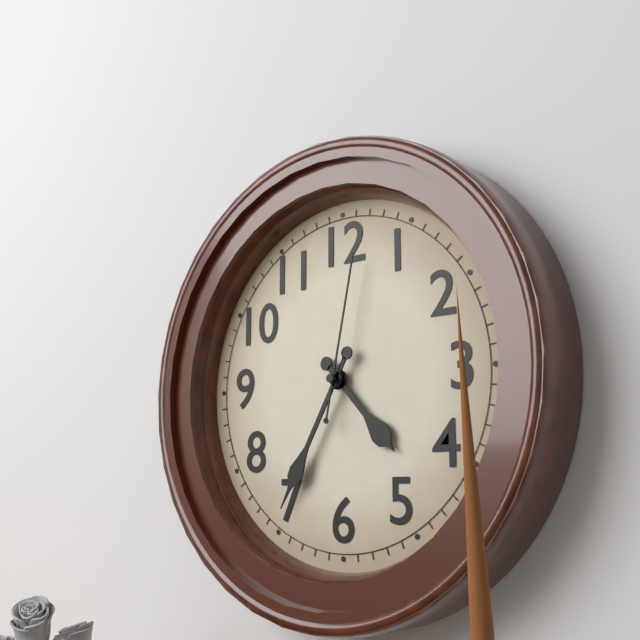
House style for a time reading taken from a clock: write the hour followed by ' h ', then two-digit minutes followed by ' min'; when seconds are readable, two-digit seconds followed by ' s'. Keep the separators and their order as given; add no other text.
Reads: 4 h 35 min 02 s
